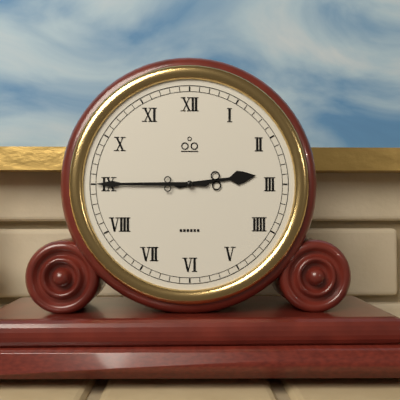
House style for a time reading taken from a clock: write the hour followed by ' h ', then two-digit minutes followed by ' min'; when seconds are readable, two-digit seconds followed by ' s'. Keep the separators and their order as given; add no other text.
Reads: 2 h 45 min
